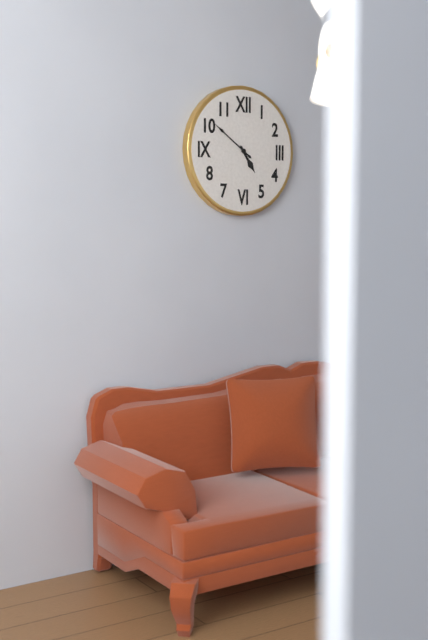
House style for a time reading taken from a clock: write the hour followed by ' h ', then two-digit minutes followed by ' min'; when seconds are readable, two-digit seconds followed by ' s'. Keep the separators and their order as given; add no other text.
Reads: 4 h 51 min
